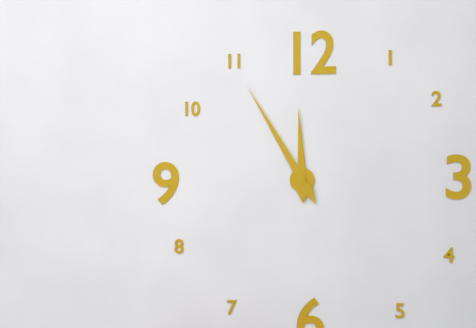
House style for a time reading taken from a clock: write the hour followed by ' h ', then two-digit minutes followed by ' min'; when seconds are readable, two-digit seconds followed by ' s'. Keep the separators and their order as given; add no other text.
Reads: 11 h 55 min
